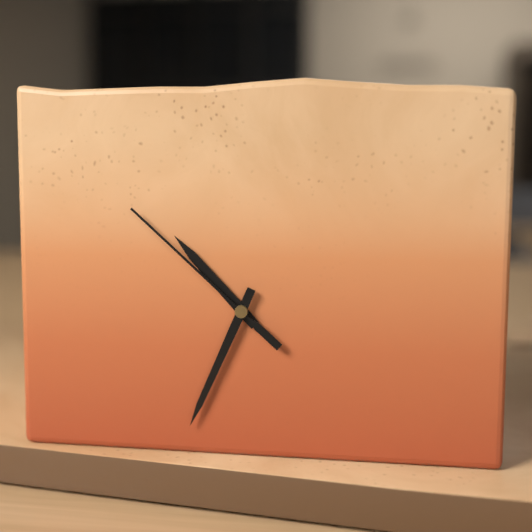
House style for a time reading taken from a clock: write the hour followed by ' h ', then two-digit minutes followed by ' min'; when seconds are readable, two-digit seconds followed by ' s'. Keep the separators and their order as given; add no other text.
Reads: 10 h 34 min 52 s
